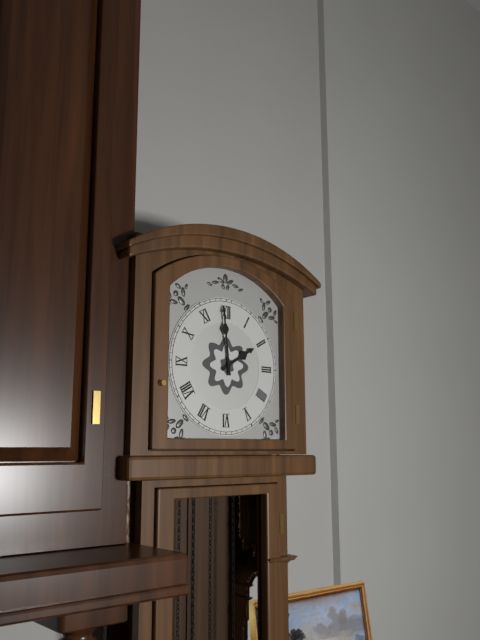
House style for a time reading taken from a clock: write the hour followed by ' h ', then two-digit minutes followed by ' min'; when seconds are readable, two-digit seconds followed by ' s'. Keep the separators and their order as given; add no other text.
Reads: 1 h 59 min
